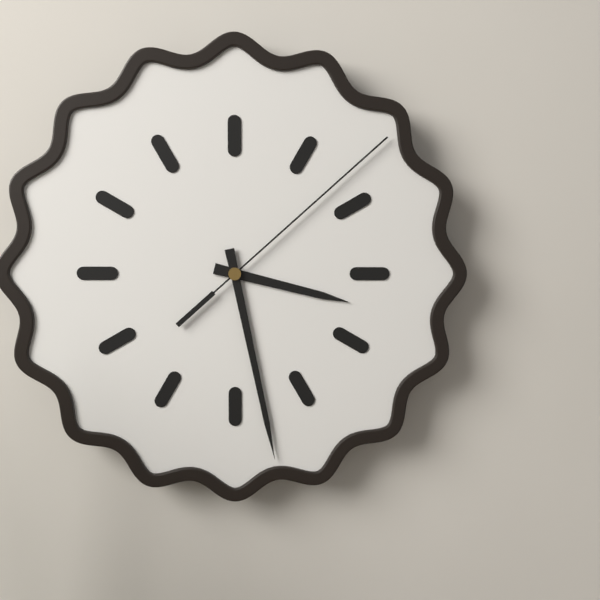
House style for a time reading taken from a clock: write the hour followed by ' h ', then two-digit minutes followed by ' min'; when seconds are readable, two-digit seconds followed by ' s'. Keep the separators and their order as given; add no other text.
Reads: 3 h 28 min 08 s
